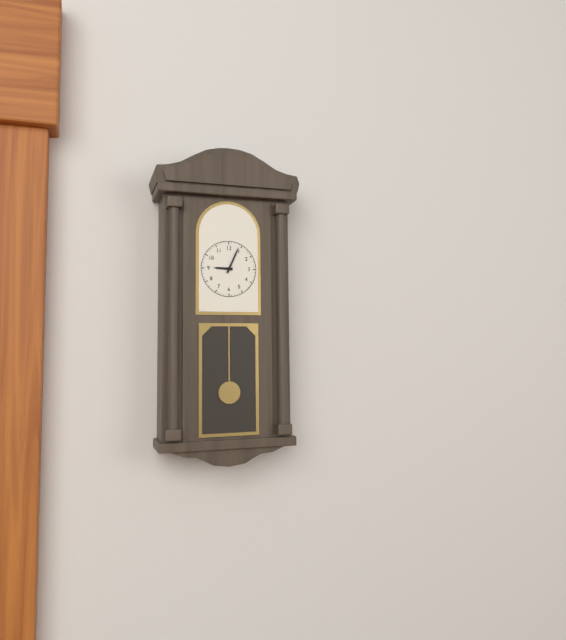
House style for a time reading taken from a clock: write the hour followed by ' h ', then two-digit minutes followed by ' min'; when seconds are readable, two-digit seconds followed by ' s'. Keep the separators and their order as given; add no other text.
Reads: 9 h 04 min
